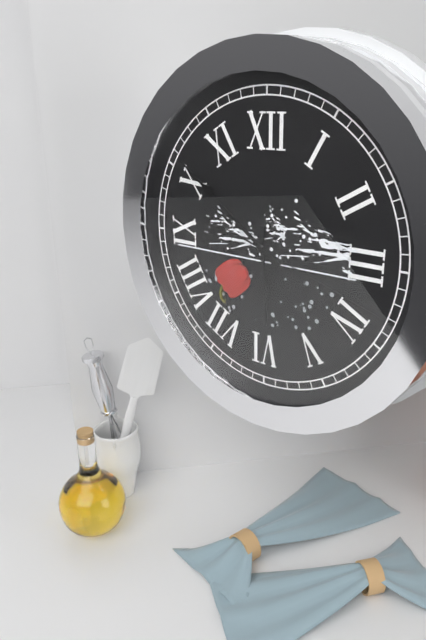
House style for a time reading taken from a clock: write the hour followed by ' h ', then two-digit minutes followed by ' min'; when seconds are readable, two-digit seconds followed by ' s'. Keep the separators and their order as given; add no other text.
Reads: 5 h 51 min 18 s
